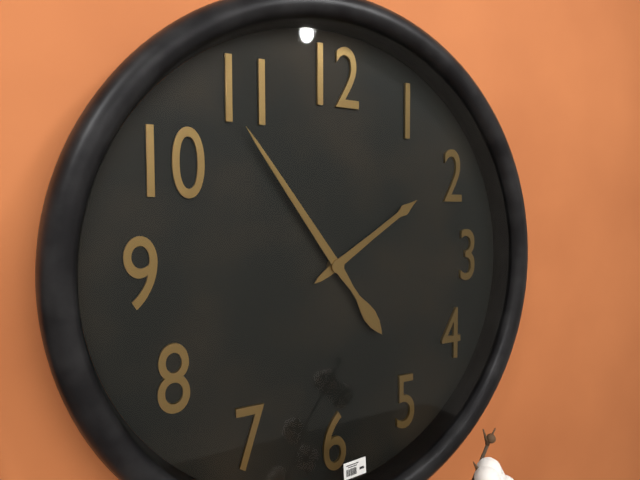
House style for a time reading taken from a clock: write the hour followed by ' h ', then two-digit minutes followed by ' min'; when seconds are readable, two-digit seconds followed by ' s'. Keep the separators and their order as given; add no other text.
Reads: 1 h 54 min
